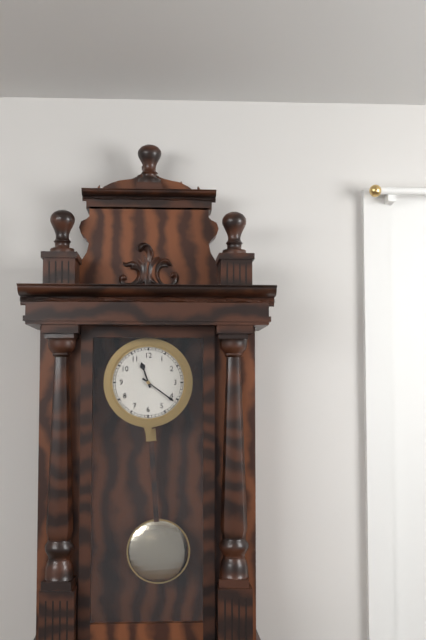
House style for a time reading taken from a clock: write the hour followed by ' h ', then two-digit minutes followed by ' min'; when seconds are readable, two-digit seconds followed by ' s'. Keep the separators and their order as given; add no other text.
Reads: 11 h 21 min
